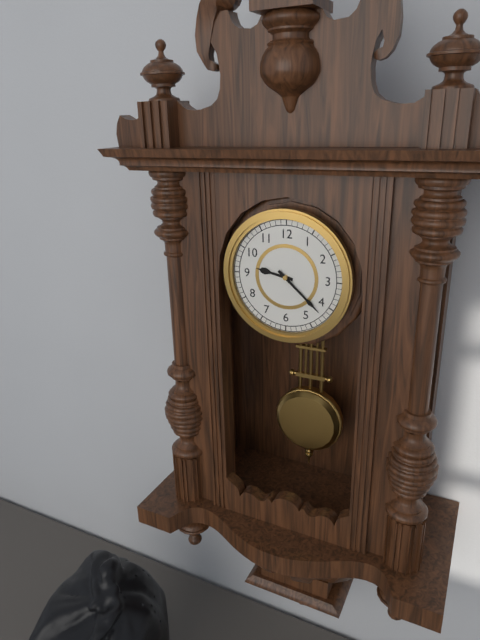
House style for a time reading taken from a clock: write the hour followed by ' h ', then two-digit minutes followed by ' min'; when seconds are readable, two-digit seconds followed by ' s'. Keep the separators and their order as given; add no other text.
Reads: 9 h 22 min
